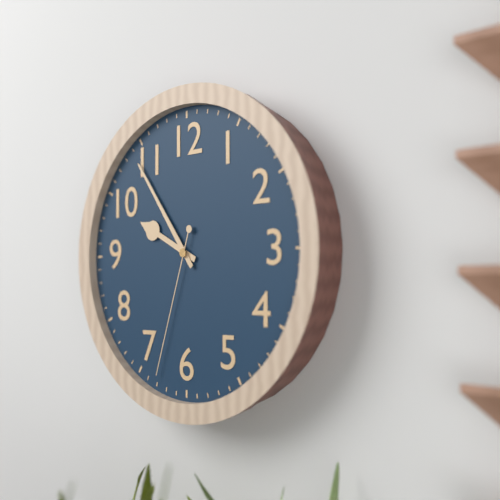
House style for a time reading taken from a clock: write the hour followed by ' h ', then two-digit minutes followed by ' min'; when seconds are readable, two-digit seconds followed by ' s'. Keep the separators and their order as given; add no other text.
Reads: 9 h 54 min 33 s
